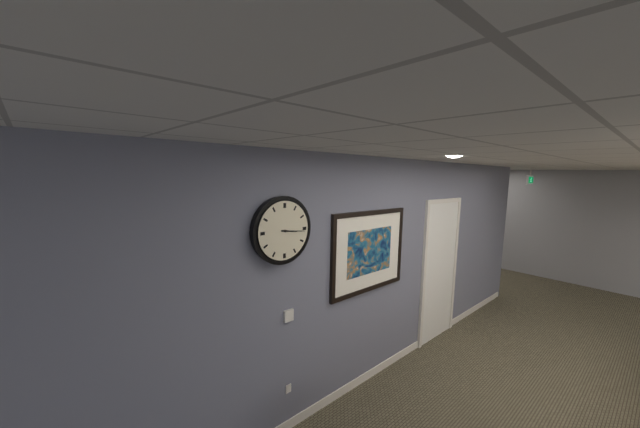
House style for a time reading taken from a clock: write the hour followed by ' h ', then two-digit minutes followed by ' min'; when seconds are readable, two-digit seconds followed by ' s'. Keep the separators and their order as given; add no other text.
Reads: 3 h 16 min
